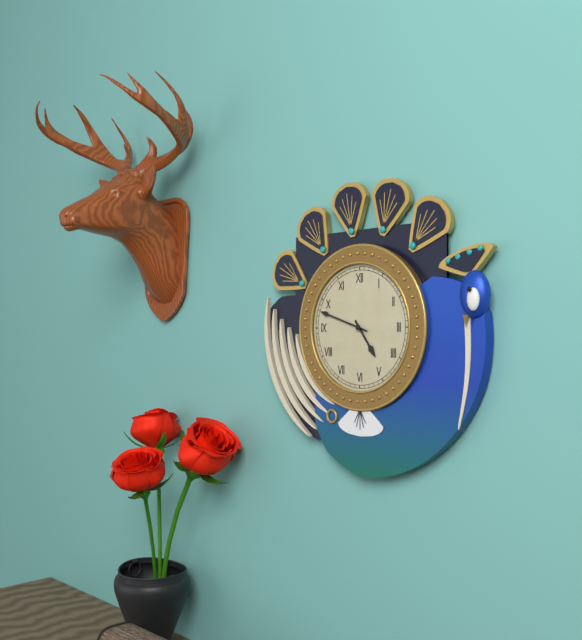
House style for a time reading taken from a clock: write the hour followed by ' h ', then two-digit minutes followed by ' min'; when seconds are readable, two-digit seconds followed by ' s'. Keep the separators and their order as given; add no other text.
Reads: 4 h 48 min
